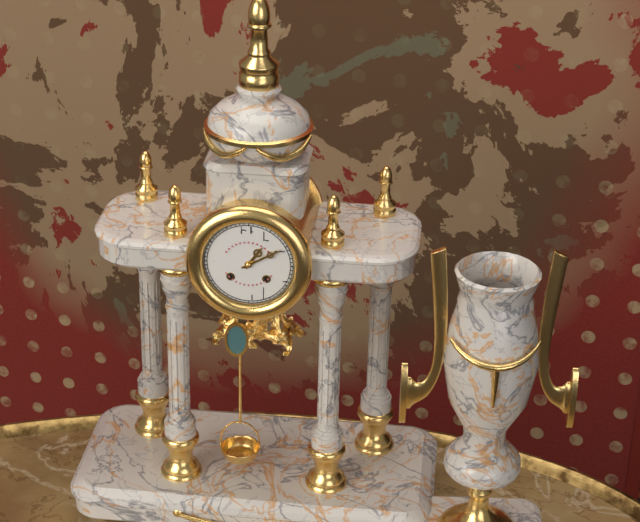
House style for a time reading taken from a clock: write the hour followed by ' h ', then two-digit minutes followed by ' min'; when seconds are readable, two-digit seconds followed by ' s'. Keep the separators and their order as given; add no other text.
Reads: 1 h 10 min
